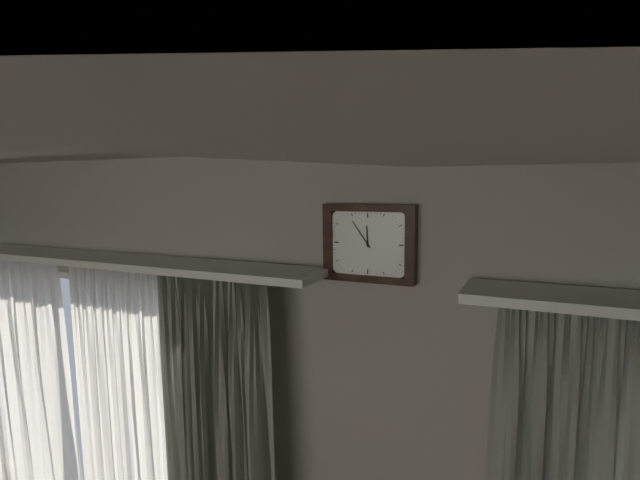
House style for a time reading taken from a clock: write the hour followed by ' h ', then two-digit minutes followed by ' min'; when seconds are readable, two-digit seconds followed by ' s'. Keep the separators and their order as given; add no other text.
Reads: 11 h 54 min
